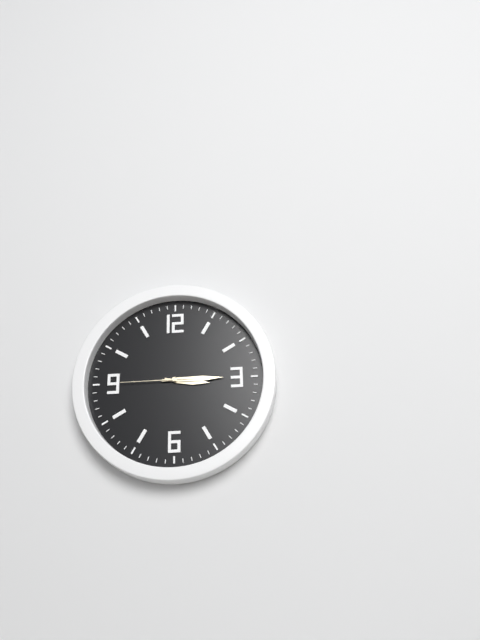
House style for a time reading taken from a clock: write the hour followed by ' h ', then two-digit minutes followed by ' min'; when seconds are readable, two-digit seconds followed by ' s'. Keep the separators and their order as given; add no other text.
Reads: 3 h 15 min 45 s
